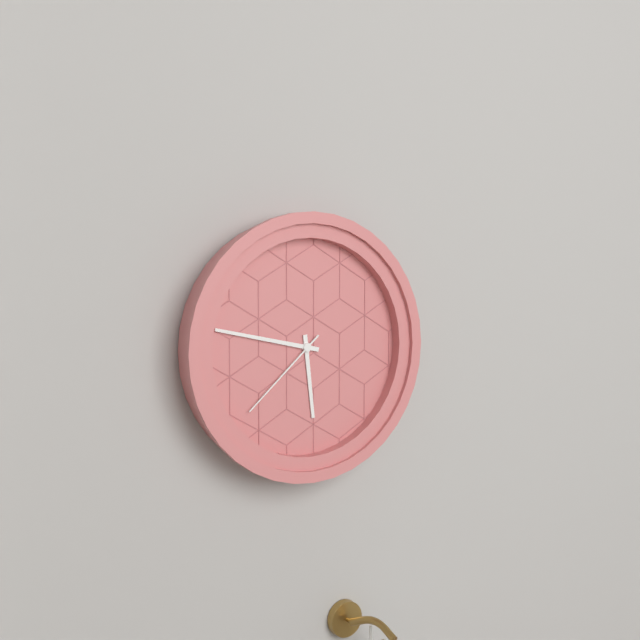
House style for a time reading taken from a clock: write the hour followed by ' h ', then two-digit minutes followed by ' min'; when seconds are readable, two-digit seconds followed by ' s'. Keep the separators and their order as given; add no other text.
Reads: 5 h 47 min 38 s
